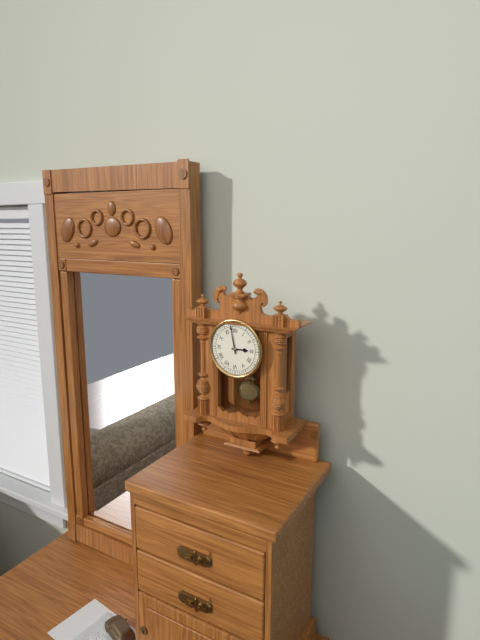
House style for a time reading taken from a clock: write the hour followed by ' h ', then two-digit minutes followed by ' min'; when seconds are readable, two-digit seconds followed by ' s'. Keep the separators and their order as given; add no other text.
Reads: 2 h 58 min
